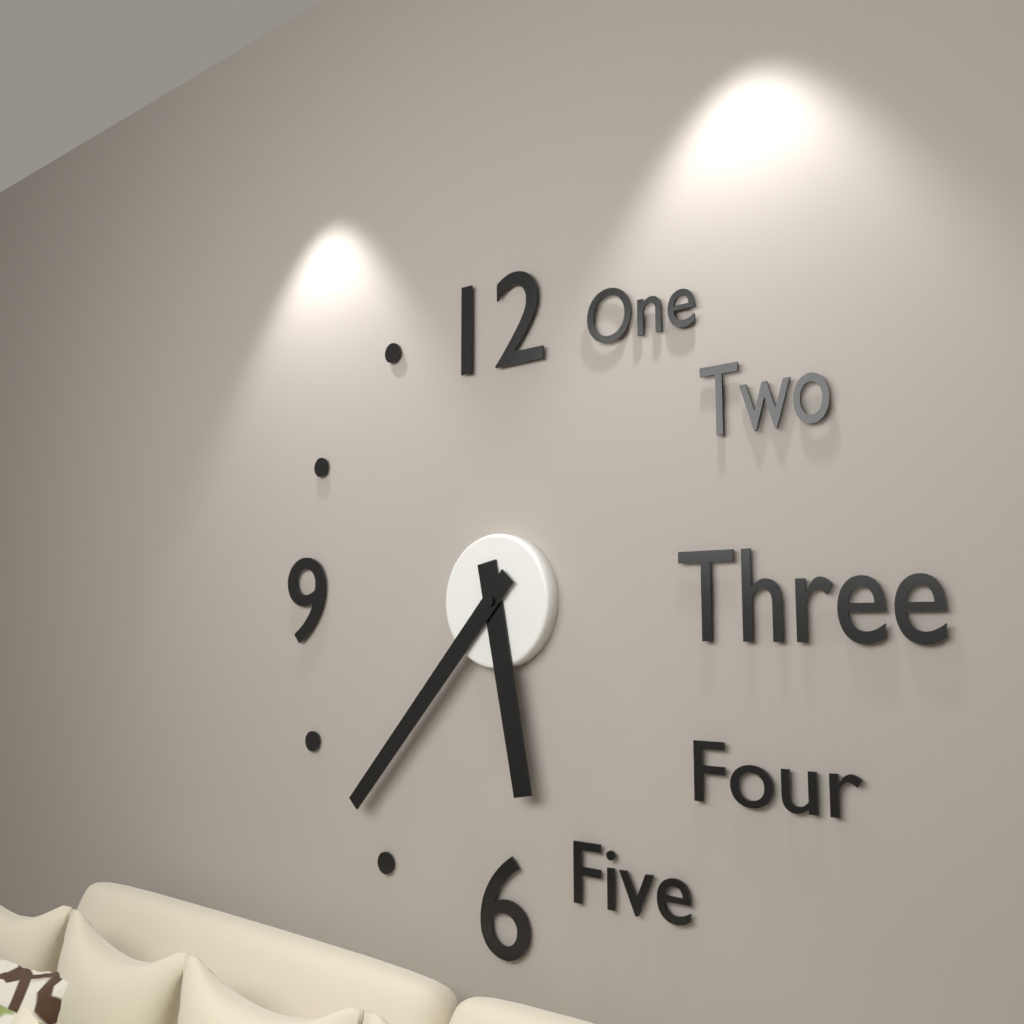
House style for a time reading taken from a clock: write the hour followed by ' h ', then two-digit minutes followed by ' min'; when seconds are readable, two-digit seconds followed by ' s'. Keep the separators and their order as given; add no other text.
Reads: 5 h 37 min
